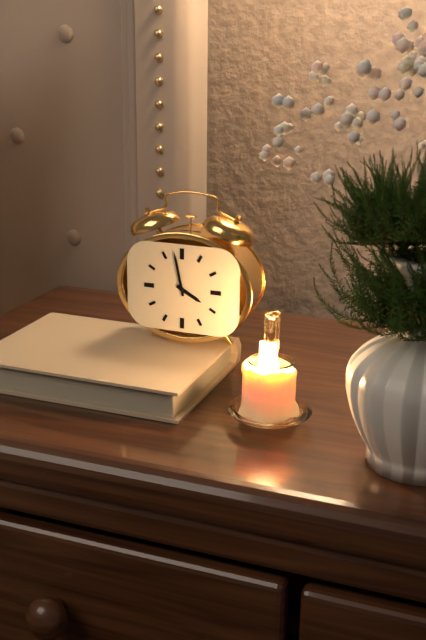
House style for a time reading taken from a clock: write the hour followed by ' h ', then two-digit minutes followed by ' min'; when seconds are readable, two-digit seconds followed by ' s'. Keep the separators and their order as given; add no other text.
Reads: 3 h 58 min
